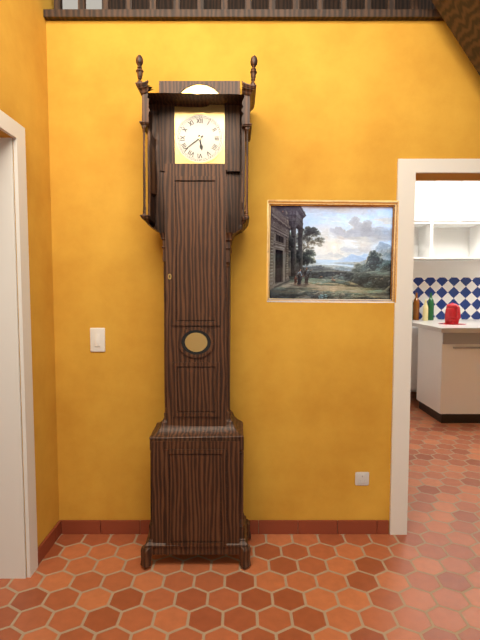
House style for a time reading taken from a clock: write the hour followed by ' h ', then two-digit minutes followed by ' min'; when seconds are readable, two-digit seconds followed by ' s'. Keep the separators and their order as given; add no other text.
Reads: 5 h 39 min
